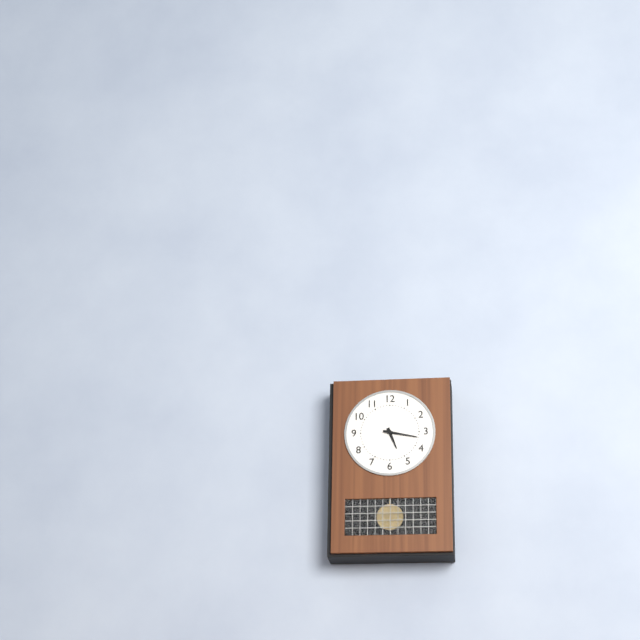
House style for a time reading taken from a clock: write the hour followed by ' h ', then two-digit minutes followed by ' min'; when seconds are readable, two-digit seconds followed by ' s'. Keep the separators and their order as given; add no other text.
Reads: 5 h 17 min
